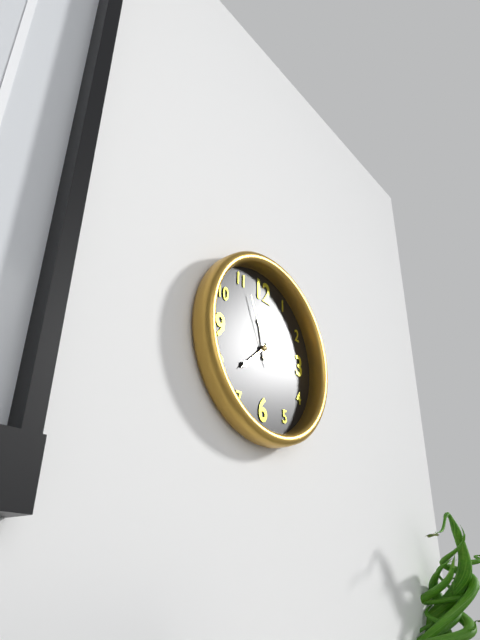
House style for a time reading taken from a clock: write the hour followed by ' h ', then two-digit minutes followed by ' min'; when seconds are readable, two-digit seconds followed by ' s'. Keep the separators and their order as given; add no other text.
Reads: 11 h 38 min 56 s
